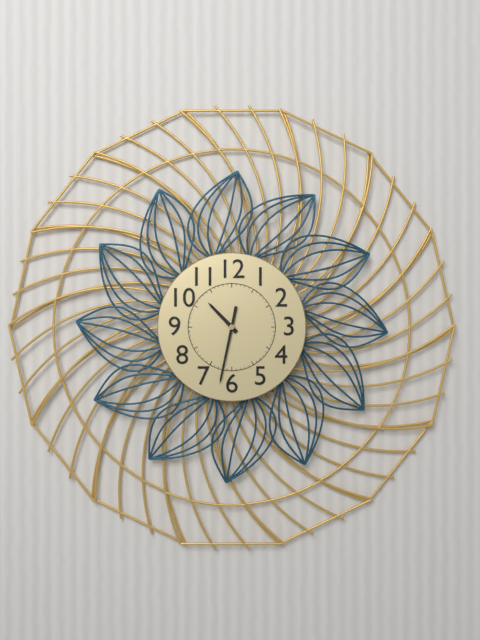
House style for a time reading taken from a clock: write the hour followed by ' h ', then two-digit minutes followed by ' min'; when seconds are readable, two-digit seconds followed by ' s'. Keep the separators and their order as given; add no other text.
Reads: 10 h 32 min
